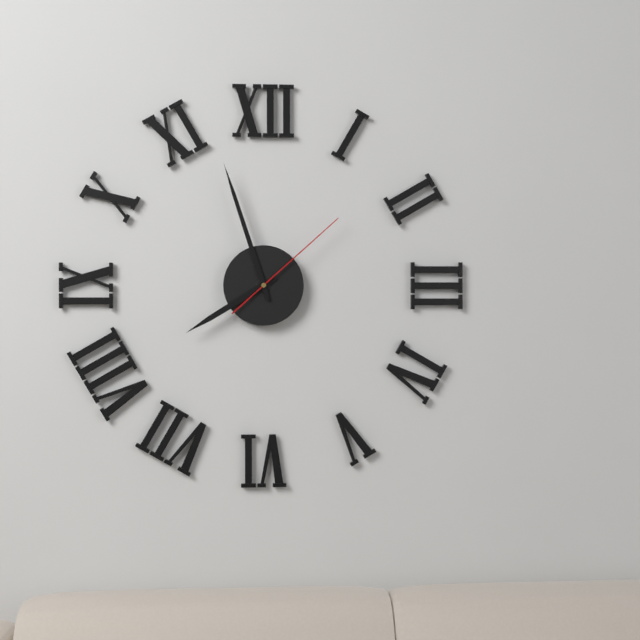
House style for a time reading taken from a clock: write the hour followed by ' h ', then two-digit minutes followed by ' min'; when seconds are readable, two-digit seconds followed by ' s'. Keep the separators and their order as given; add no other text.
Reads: 7 h 57 min 08 s
